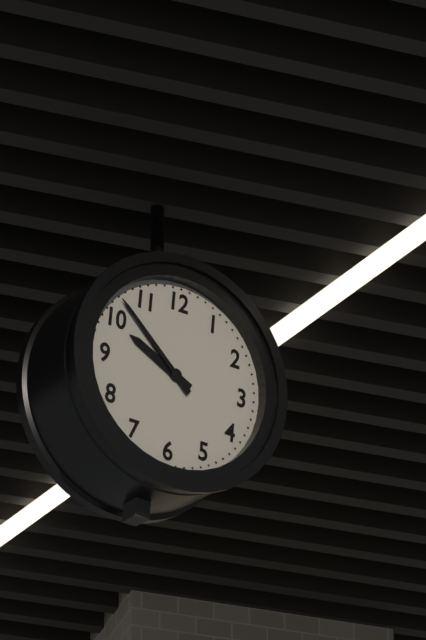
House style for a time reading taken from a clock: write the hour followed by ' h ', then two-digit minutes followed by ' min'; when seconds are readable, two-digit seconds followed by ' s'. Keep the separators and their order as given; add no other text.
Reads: 9 h 52 min
